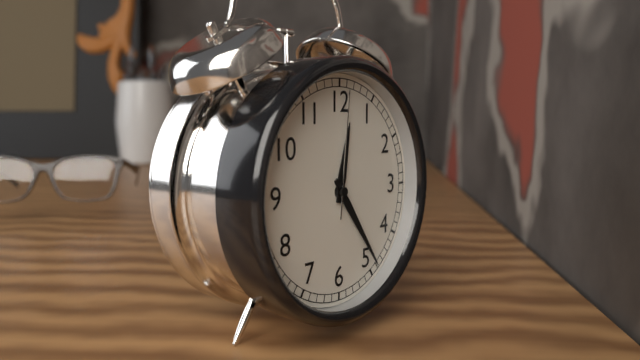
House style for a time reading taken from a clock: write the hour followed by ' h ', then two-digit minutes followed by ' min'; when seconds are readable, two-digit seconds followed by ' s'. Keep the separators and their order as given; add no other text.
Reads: 12 h 24 min 01 s
